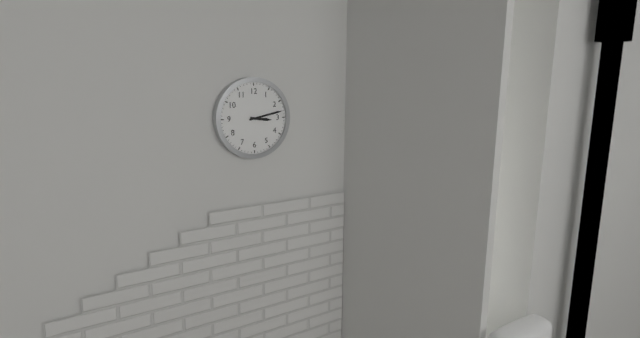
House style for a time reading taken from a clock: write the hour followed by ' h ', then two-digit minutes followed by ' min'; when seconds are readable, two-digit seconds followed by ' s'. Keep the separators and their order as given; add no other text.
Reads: 3 h 13 min
